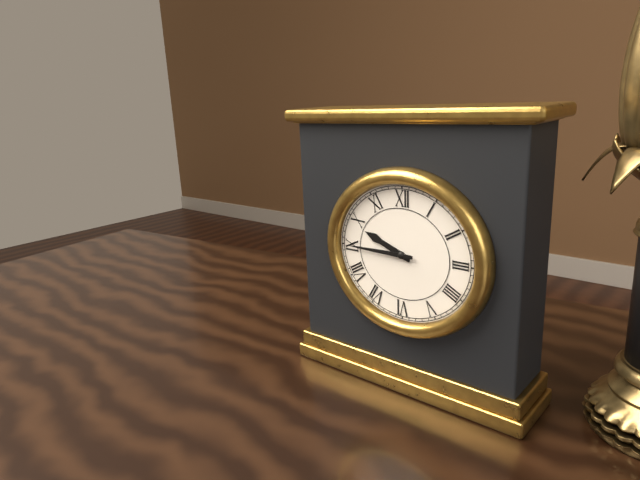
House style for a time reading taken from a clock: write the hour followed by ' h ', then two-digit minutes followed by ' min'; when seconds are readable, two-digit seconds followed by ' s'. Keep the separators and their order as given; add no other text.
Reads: 9 h 45 min
